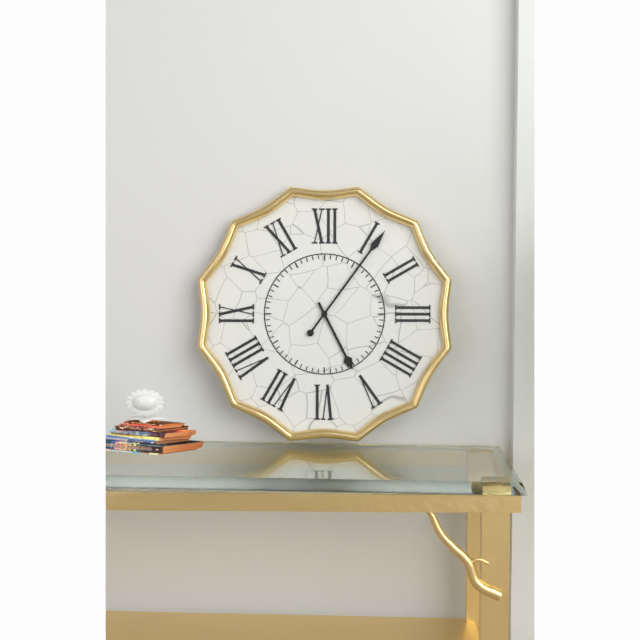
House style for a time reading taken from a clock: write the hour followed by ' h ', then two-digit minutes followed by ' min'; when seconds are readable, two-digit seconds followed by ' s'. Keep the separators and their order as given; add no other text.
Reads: 5 h 06 min
